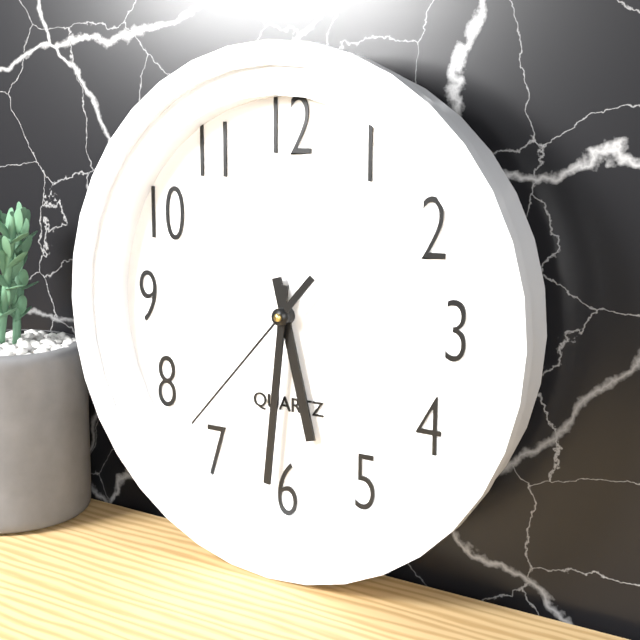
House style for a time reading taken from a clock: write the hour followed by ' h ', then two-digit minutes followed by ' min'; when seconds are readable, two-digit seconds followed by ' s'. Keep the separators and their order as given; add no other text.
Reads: 5 h 31 min 37 s
